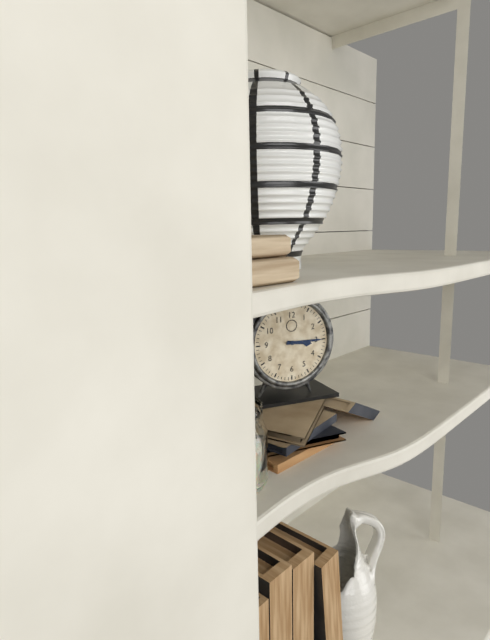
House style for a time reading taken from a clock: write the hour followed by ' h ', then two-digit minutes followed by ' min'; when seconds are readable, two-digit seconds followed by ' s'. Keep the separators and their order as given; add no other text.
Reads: 3 h 15 min
